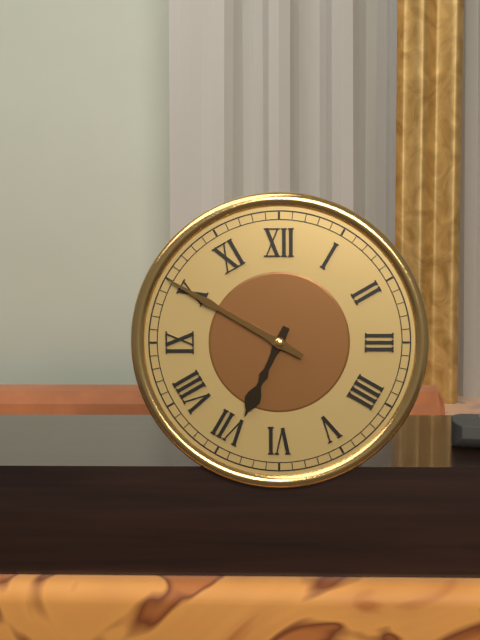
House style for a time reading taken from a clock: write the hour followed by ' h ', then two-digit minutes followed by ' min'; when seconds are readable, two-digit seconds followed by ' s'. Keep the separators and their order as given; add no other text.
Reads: 6 h 50 min
